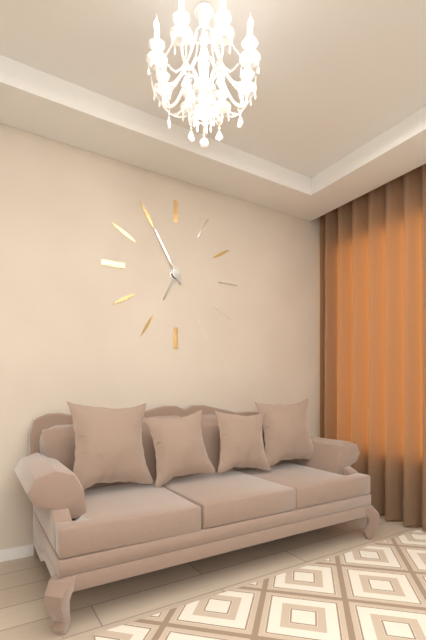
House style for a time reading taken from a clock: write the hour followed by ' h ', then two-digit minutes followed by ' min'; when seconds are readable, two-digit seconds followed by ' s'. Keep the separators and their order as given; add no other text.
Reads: 6 h 55 min
